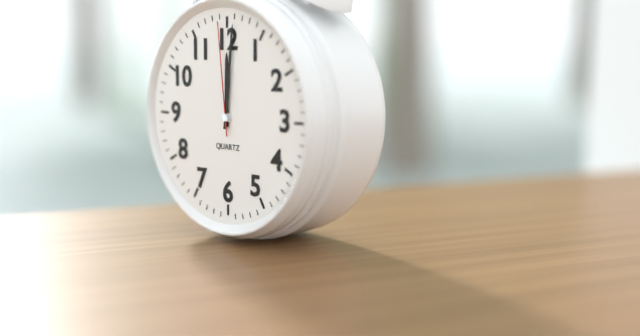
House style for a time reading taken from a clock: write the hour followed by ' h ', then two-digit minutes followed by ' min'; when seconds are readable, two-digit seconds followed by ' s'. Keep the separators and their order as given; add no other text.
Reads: 12 h 01 min 59 s
